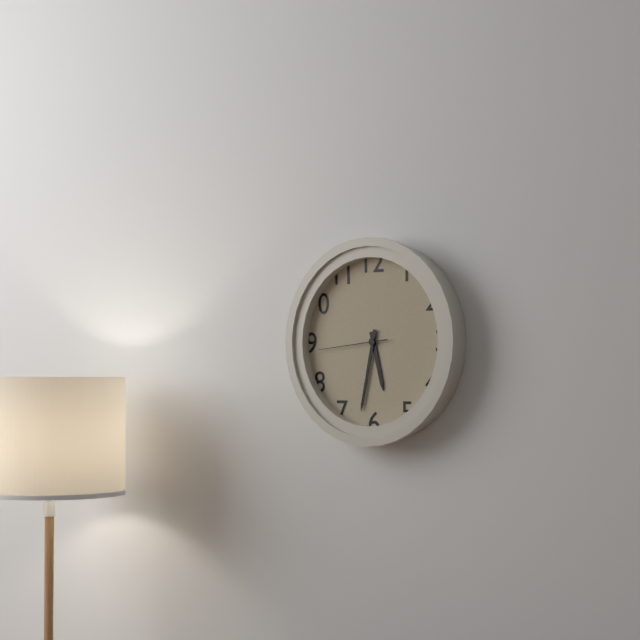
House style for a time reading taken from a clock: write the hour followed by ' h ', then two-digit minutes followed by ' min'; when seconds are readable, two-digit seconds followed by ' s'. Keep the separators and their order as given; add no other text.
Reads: 5 h 32 min 44 s
